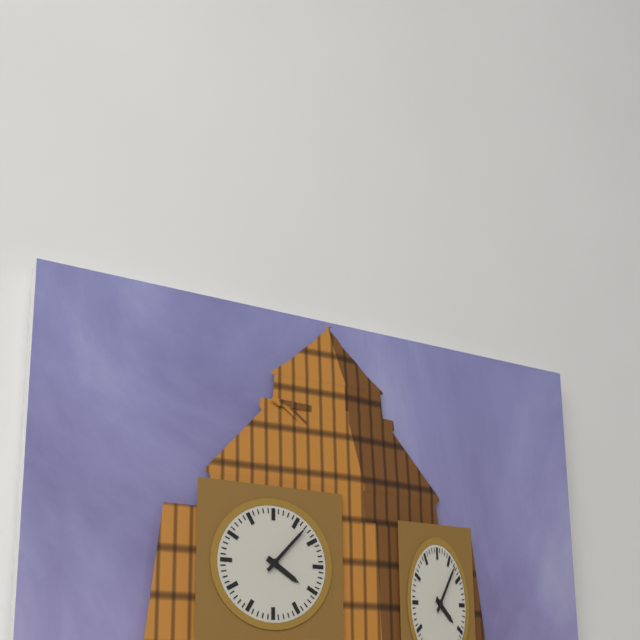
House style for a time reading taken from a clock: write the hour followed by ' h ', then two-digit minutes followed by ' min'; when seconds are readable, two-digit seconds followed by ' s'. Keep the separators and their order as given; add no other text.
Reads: 4 h 07 min
